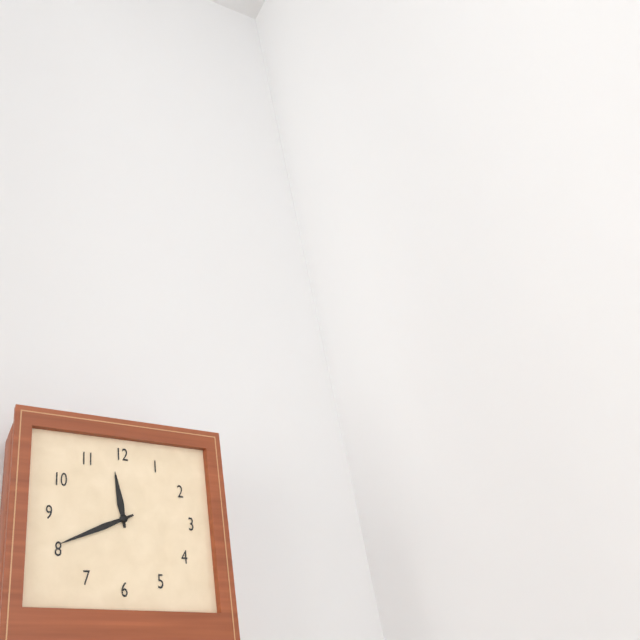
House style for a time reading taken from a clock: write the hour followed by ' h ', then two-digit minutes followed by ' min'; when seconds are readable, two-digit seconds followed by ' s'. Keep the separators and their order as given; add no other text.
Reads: 11 h 41 min
